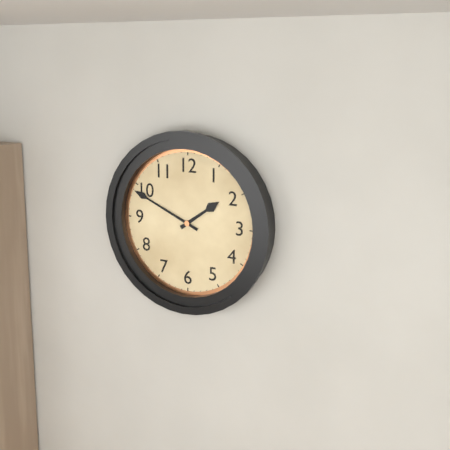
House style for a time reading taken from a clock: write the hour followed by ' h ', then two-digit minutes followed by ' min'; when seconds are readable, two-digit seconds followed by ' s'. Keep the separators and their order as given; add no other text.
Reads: 1 h 49 min
